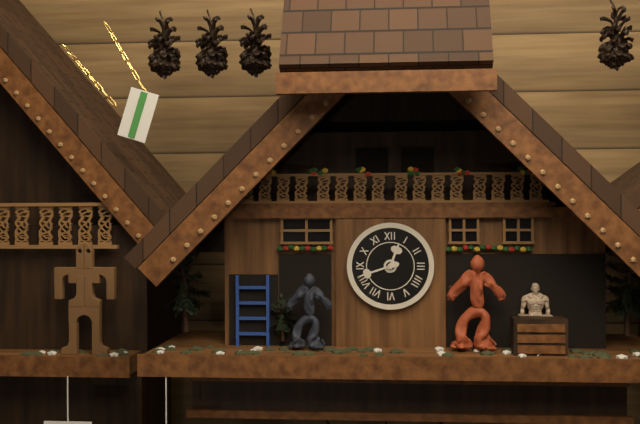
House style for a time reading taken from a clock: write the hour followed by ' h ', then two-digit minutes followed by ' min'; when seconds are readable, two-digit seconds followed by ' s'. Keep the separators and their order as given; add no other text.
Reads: 12 h 42 min
